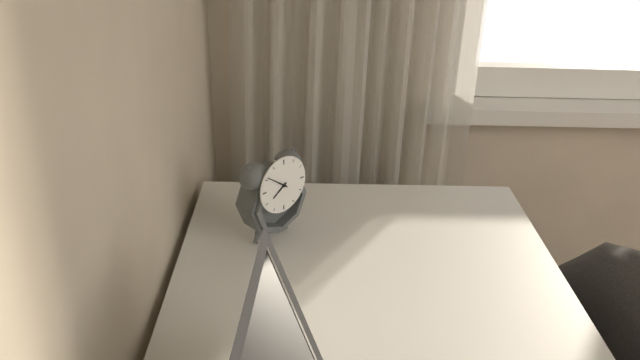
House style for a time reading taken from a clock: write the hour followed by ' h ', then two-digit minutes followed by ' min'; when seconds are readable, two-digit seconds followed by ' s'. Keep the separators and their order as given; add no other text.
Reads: 7 h 51 min
